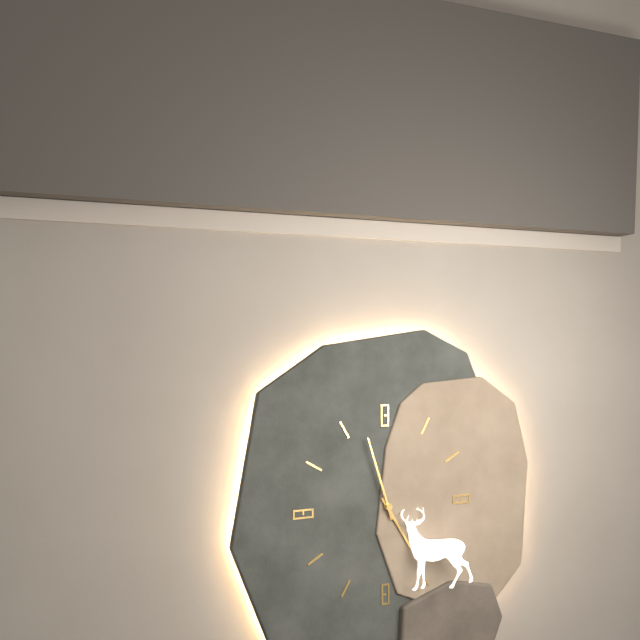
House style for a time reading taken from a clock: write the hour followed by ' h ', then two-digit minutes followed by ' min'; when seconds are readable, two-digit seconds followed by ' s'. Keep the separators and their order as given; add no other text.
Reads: 4 h 57 min
